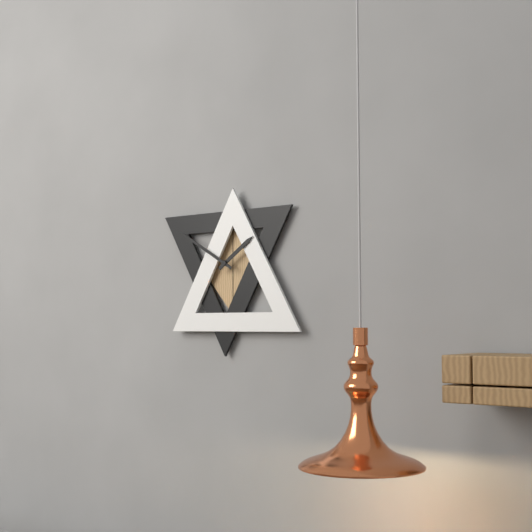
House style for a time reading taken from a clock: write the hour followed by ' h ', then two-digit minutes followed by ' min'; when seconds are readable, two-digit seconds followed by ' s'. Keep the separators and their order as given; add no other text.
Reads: 1 h 50 min
